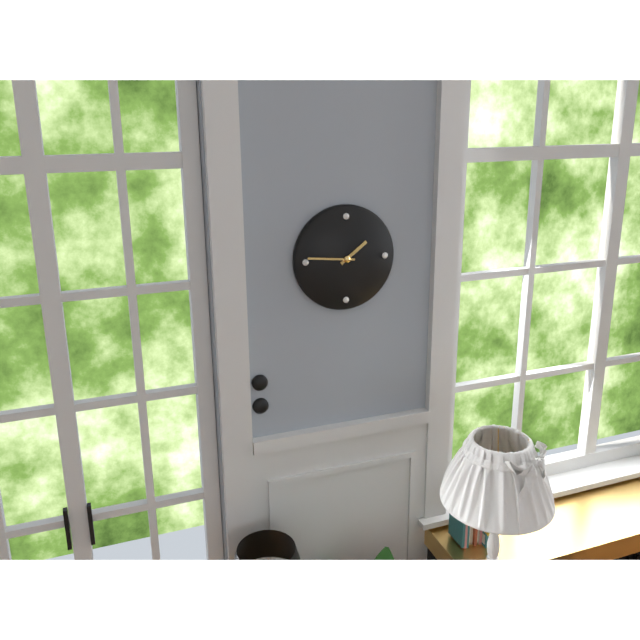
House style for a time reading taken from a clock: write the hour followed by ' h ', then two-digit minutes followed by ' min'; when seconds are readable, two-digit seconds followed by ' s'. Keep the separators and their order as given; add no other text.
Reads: 1 h 46 min
